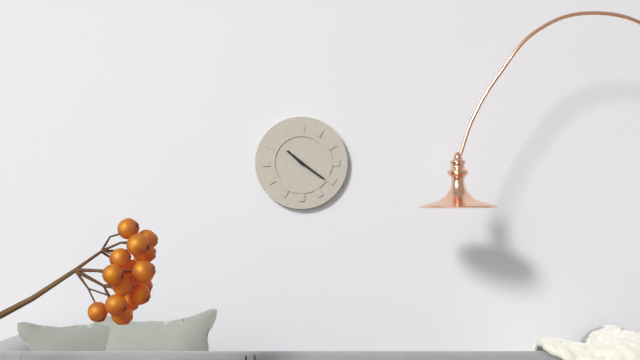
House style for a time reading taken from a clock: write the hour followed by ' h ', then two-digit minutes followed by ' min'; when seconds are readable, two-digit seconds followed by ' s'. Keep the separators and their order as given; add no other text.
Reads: 10 h 21 min
